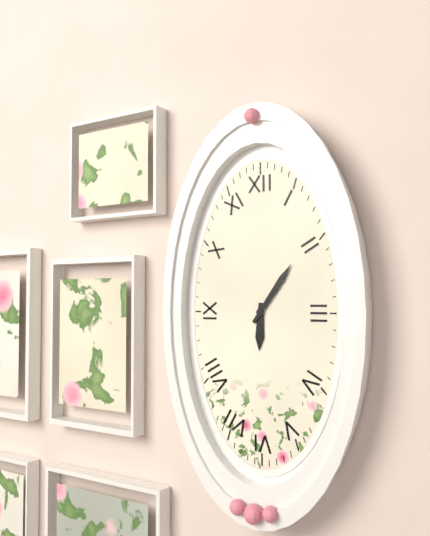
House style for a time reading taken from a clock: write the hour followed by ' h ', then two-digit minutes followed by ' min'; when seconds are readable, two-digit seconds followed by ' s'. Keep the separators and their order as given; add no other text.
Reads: 6 h 06 min
